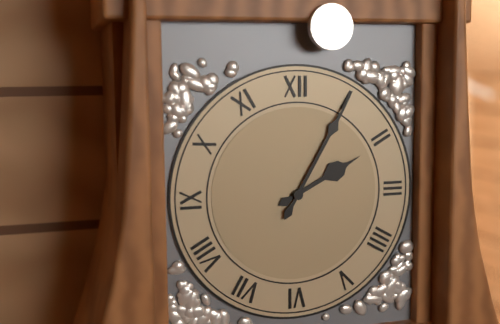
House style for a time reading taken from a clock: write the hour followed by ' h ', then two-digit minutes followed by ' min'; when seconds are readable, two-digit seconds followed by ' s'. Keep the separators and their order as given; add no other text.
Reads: 2 h 05 min
